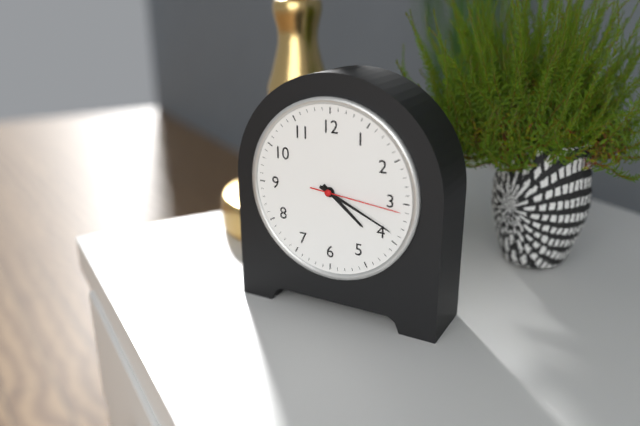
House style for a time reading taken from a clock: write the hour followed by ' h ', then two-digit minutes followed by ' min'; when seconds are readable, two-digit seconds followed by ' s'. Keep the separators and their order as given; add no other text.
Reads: 4 h 19 min 16 s
